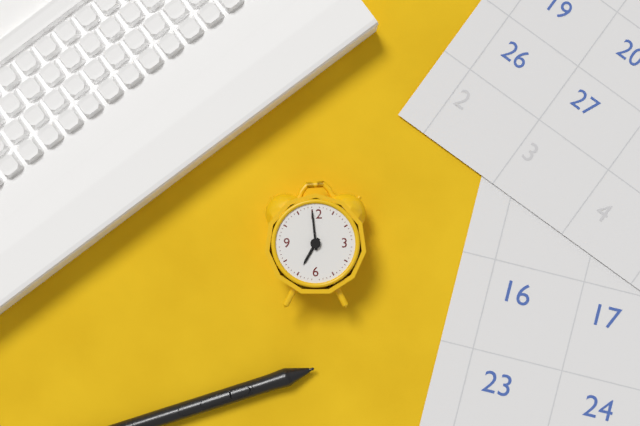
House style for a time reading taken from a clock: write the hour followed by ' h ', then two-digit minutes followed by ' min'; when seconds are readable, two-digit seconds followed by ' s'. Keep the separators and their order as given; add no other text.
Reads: 6 h 59 min
